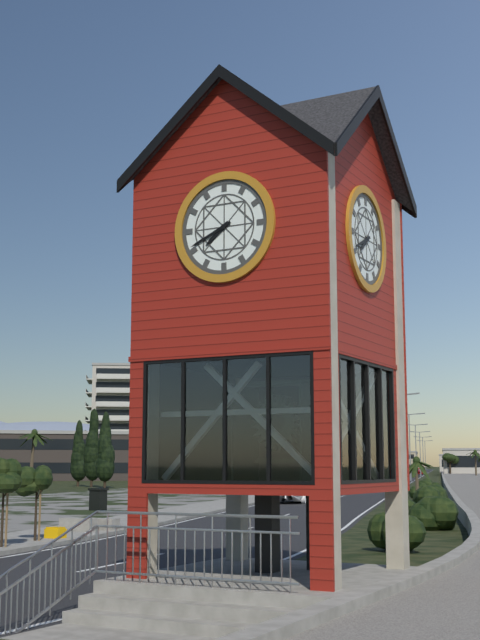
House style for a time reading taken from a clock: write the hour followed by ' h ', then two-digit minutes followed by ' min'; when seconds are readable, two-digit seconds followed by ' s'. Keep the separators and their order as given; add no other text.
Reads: 7 h 41 min
